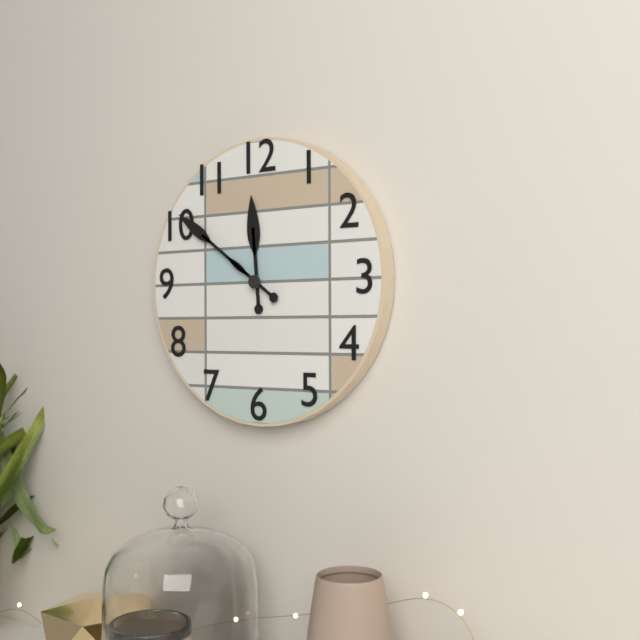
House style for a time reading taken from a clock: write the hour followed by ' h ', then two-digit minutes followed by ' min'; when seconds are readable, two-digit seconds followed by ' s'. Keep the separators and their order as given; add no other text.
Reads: 11 h 51 min
